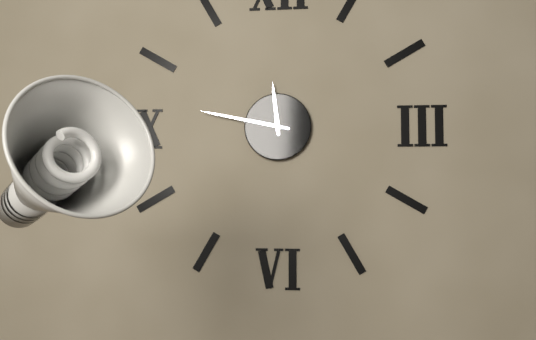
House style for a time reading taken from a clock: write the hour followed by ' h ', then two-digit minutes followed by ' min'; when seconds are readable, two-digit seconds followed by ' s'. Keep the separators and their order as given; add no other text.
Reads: 11 h 47 min
